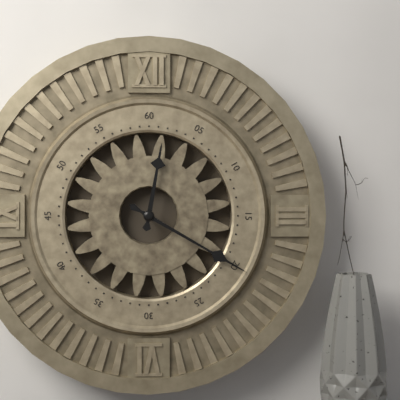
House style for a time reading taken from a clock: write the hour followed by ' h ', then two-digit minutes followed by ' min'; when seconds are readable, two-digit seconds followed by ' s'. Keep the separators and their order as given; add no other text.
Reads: 12 h 20 min
